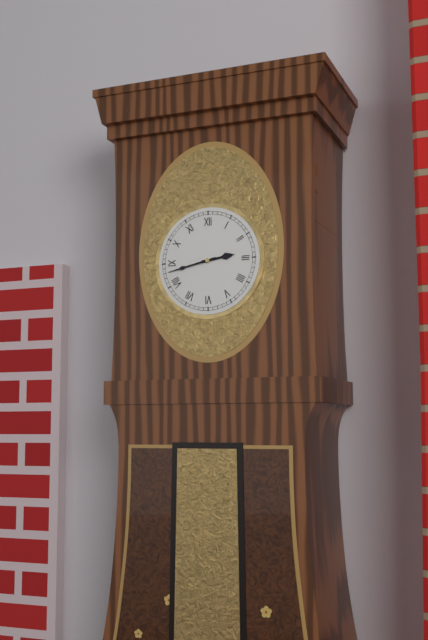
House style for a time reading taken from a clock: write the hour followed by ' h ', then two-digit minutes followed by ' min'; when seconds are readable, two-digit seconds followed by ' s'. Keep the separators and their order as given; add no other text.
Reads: 2 h 43 min
